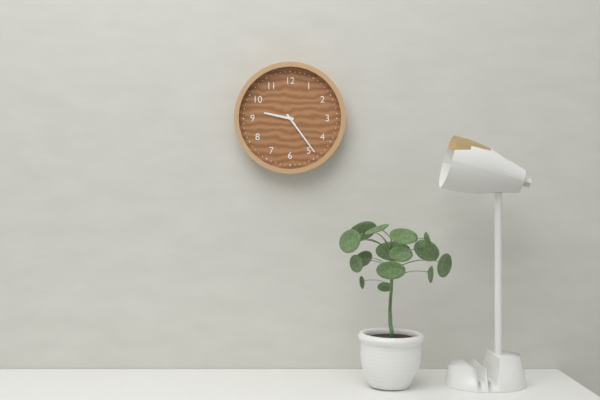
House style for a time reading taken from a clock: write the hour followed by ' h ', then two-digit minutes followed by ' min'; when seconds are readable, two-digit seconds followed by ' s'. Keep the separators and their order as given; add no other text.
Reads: 9 h 24 min
